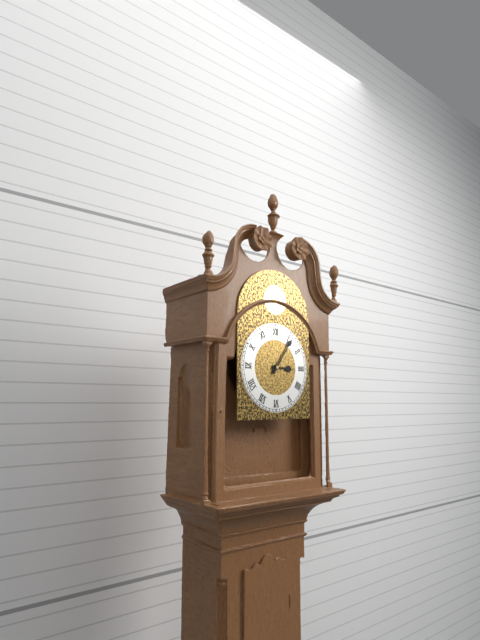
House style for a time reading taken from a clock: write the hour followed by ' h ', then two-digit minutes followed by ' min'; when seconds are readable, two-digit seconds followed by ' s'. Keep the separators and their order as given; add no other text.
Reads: 3 h 06 min
